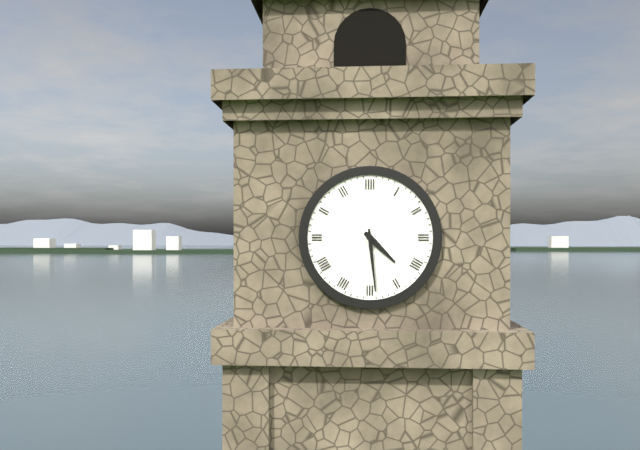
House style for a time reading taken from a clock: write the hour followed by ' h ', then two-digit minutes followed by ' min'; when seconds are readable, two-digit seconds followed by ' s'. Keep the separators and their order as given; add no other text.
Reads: 4 h 29 min
